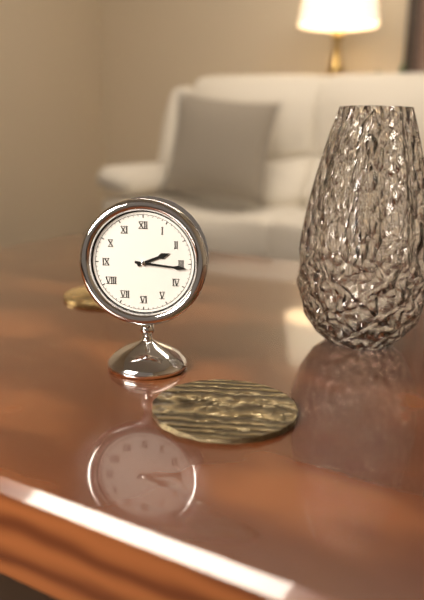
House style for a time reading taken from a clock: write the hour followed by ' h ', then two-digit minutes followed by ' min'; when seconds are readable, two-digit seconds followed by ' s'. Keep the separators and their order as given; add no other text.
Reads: 2 h 16 min
